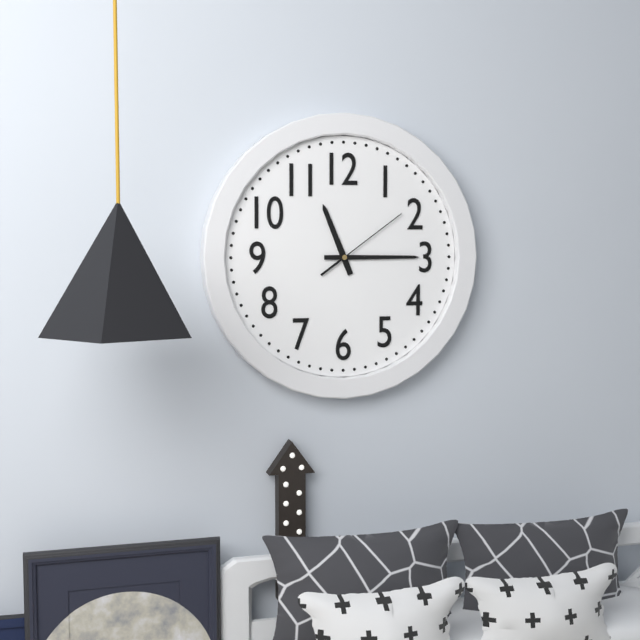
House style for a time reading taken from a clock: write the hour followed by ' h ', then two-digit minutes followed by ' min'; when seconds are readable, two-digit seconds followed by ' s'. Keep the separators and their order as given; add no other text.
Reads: 11 h 15 min 09 s
